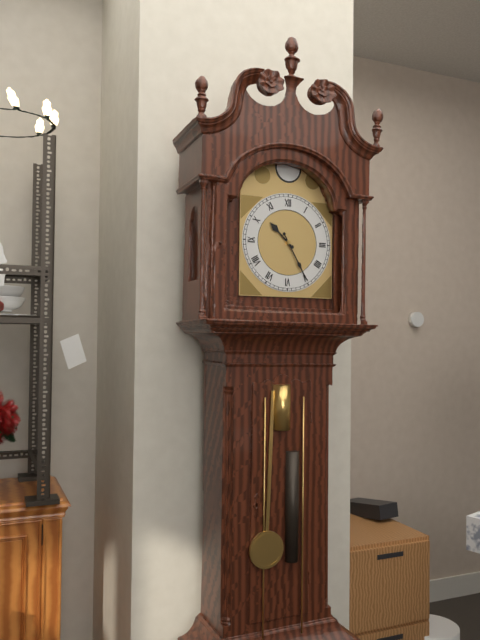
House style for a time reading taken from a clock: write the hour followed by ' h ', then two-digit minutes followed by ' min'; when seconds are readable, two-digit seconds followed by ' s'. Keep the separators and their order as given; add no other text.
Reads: 10 h 25 min
